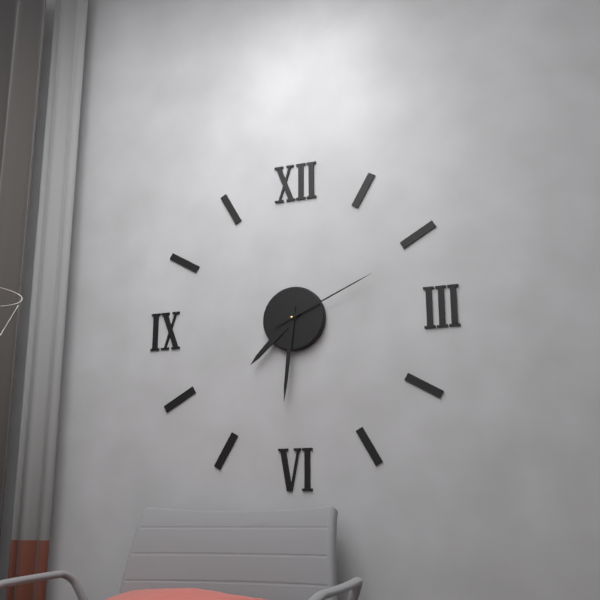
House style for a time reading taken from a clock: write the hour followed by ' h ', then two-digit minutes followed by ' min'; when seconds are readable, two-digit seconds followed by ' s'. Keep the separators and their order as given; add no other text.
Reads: 7 h 31 min 11 s
